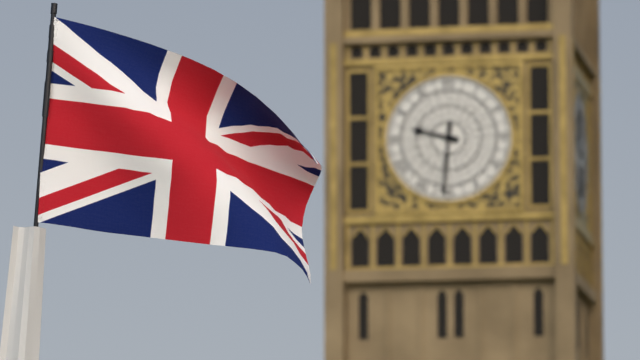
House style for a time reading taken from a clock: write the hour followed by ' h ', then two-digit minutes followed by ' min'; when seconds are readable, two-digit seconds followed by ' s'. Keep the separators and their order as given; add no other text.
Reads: 9 h 31 min
